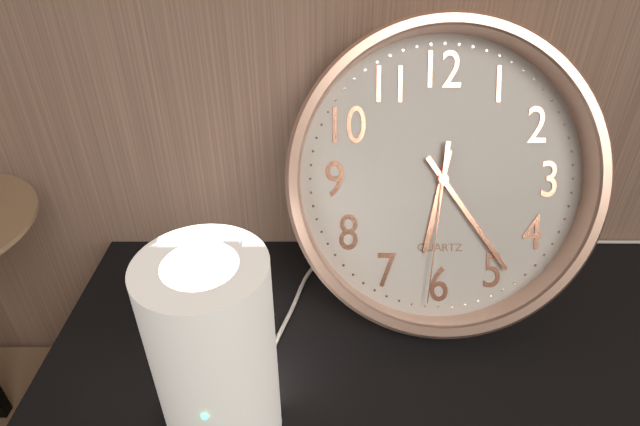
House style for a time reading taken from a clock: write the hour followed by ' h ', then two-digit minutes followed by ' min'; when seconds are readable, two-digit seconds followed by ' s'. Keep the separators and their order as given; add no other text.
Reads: 6 h 24 min 31 s
